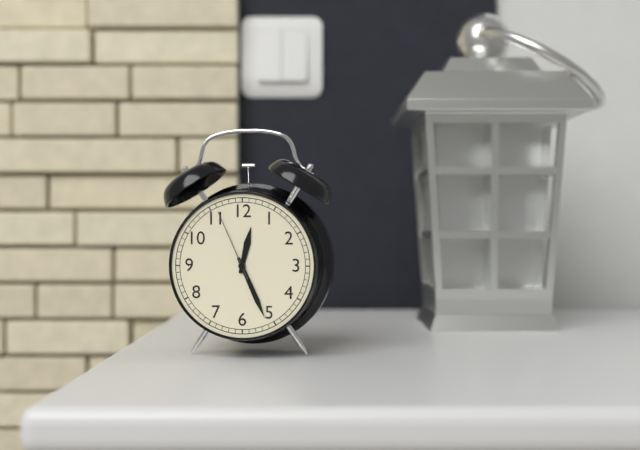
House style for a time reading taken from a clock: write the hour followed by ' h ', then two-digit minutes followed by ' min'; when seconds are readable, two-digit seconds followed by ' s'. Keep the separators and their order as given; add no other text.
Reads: 12 h 26 min 56 s
